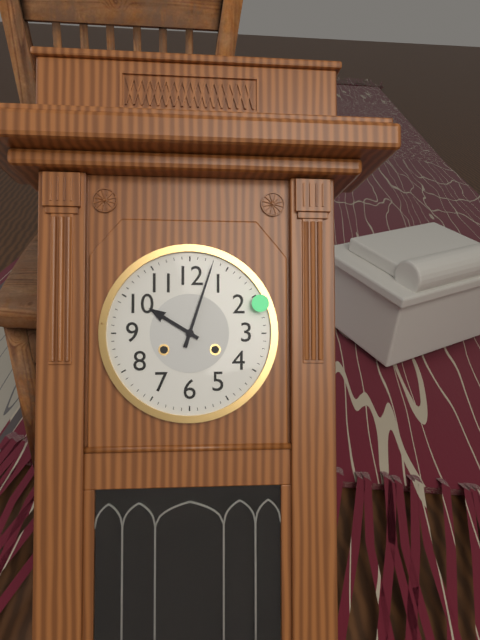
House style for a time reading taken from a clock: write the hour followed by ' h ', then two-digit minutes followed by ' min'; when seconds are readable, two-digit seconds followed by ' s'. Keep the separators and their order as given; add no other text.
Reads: 10 h 03 min
